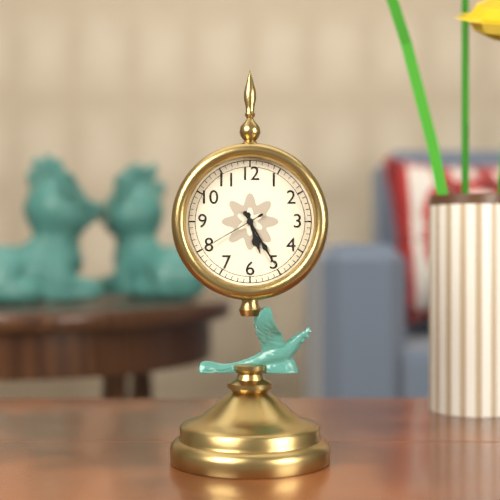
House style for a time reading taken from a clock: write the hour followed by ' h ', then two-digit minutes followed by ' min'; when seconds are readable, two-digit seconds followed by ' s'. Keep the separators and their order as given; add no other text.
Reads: 5 h 25 min 40 s
